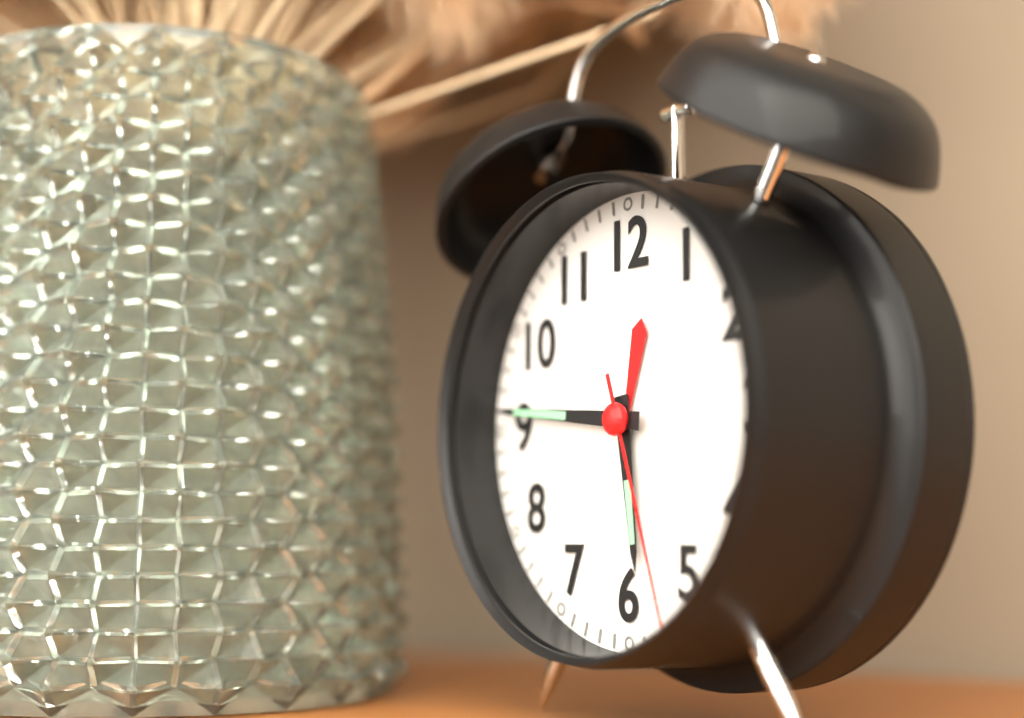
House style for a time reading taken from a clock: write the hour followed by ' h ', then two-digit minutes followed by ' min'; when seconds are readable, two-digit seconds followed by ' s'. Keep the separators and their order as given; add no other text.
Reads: 5 h 46 min 27 s
